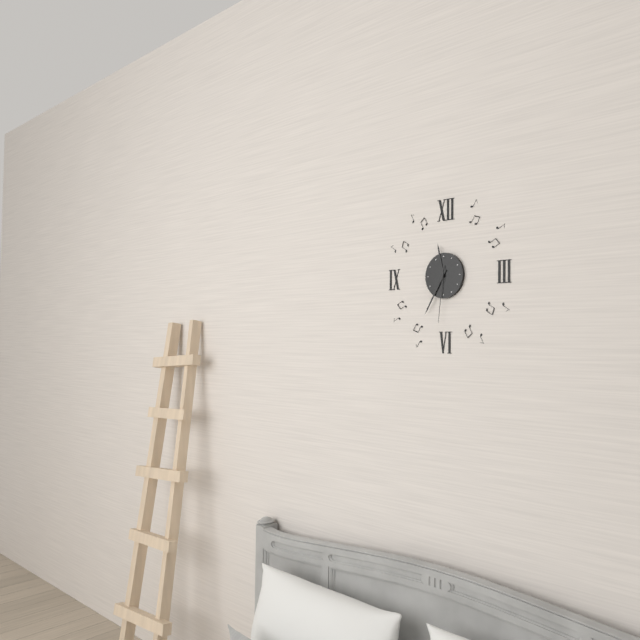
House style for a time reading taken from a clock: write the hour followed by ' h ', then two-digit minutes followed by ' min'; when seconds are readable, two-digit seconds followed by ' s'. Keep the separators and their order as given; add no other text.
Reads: 11 h 35 min 31 s
